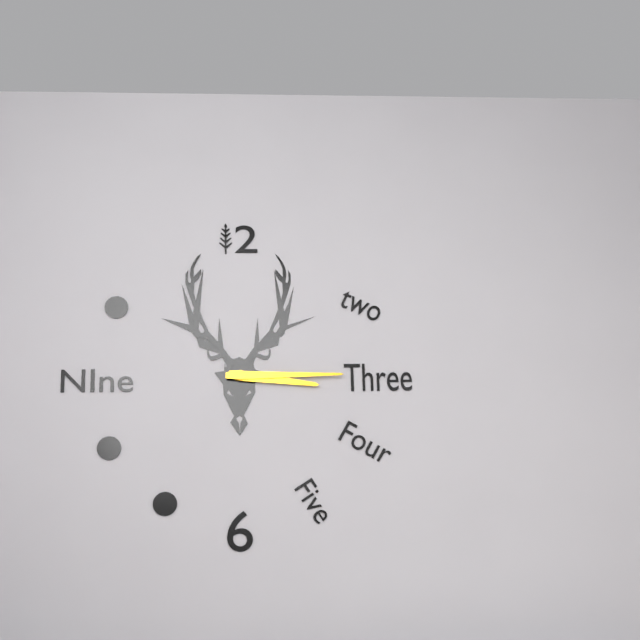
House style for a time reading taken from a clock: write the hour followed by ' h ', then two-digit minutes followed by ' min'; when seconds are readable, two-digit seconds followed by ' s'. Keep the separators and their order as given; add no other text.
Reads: 3 h 15 min
